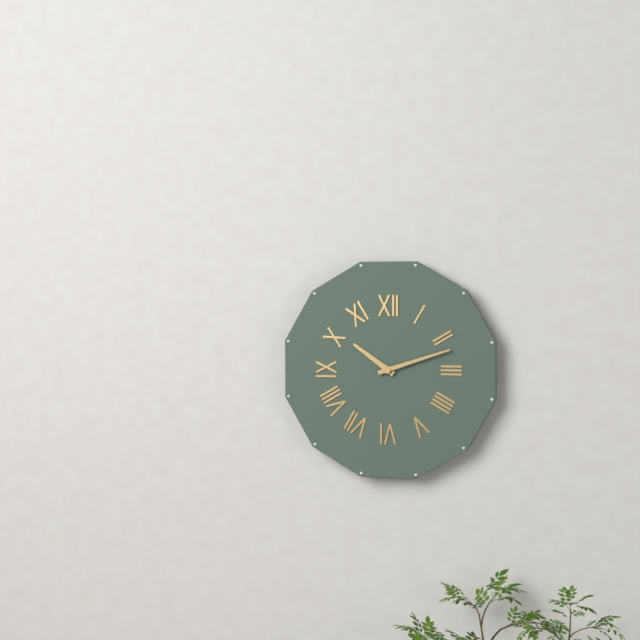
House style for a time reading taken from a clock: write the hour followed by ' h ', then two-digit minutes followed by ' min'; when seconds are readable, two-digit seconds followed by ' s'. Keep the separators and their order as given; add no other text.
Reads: 10 h 12 min
